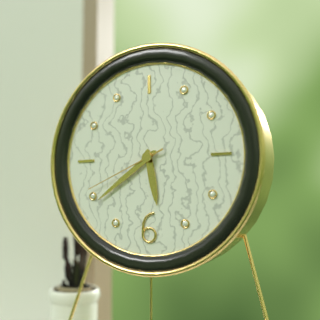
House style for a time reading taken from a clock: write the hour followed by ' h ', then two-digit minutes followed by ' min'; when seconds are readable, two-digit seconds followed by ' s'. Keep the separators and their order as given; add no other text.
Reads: 5 h 39 min 41 s
